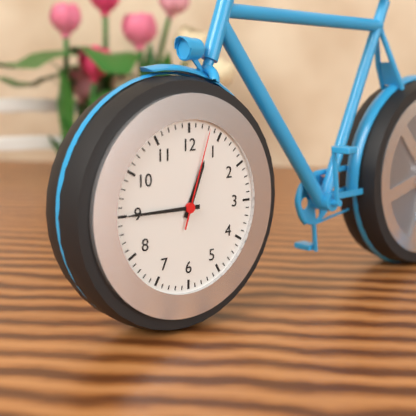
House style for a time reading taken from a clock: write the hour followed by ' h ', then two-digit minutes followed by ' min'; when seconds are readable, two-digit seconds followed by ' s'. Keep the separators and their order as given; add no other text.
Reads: 12 h 45 min 03 s
